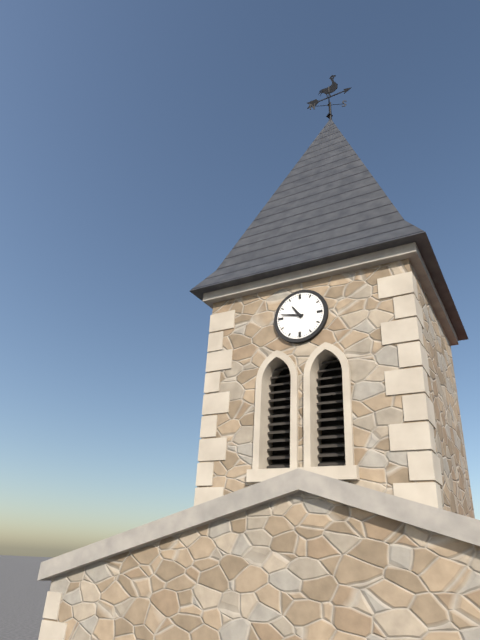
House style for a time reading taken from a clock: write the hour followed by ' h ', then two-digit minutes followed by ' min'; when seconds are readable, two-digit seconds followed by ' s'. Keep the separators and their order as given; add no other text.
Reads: 10 h 47 min
